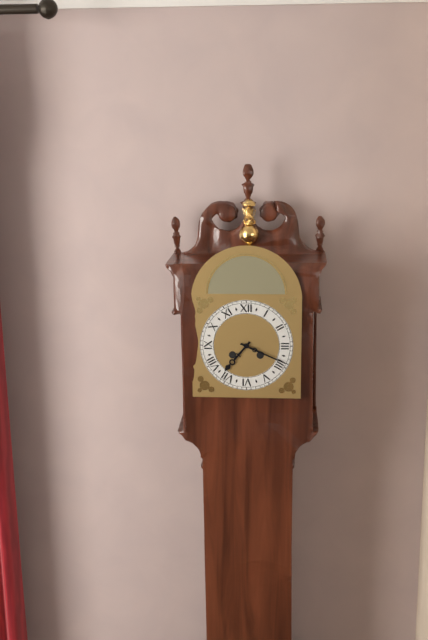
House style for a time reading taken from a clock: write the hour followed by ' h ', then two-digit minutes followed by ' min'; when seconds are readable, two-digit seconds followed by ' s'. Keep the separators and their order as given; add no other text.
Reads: 7 h 19 min
